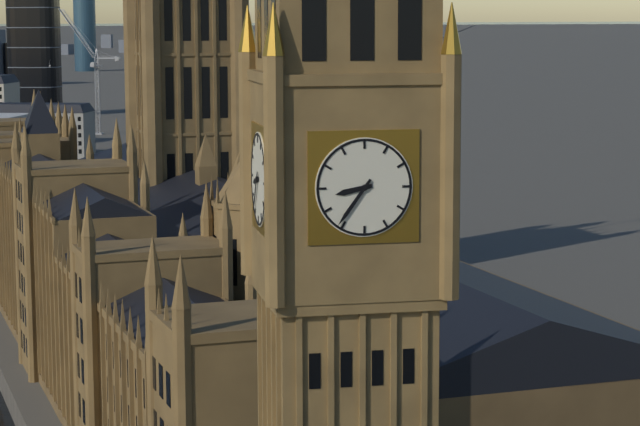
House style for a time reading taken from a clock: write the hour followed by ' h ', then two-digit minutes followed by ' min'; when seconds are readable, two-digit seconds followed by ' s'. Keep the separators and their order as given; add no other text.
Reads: 8 h 36 min
